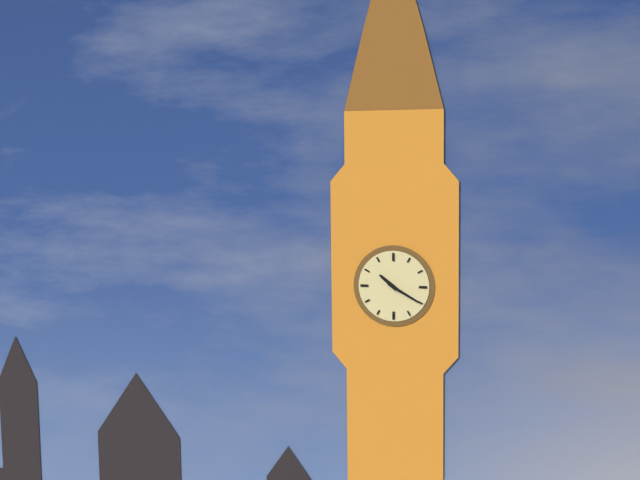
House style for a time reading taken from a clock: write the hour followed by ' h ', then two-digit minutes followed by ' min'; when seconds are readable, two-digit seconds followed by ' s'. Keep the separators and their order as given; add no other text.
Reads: 10 h 20 min
